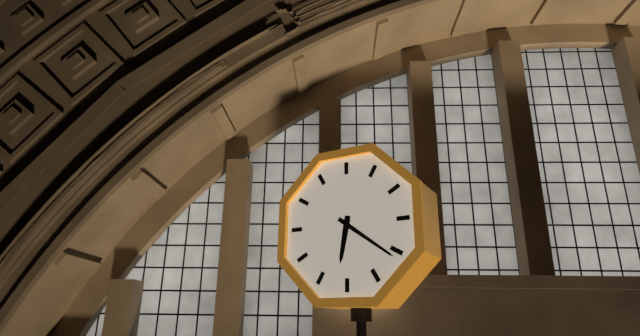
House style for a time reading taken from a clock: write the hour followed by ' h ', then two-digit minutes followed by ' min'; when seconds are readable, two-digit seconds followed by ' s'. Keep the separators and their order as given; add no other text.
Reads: 6 h 21 min
